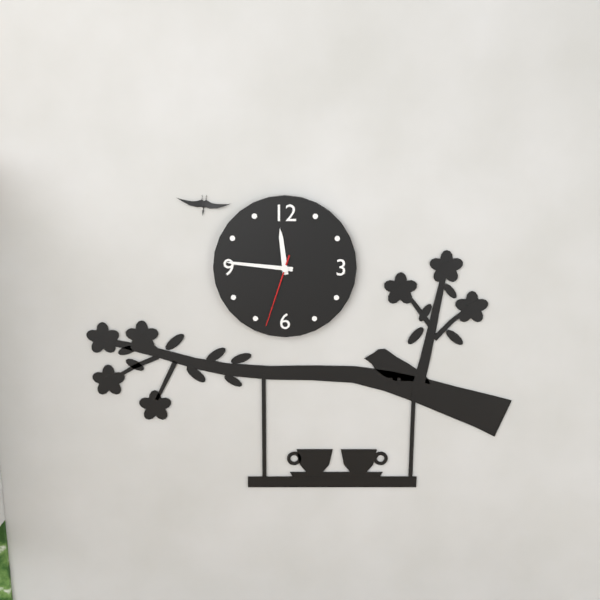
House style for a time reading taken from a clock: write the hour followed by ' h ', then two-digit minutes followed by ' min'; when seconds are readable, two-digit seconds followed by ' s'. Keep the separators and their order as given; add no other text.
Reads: 11 h 46 min 33 s
